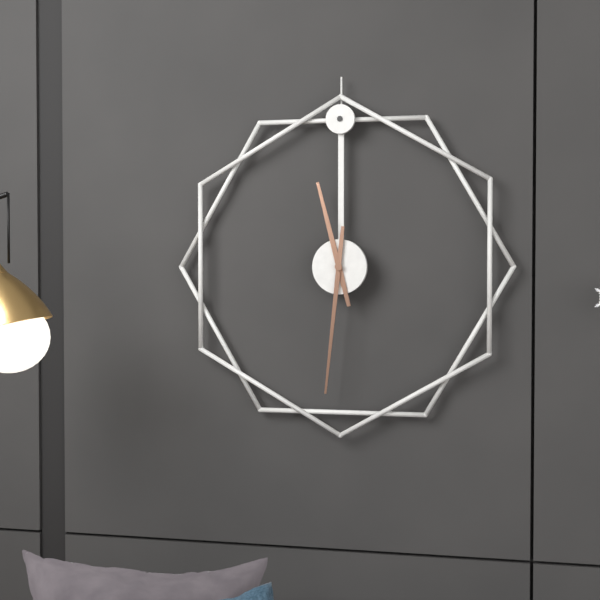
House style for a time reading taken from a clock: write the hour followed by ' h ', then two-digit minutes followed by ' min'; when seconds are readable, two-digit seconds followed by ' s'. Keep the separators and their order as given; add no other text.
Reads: 11 h 31 min
